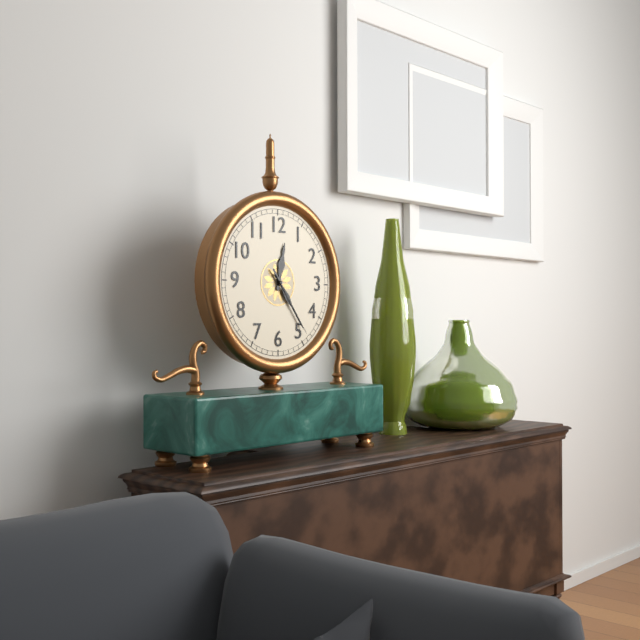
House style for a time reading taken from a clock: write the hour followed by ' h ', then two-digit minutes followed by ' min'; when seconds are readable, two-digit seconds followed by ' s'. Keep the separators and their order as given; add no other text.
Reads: 12 h 24 min 24 s
